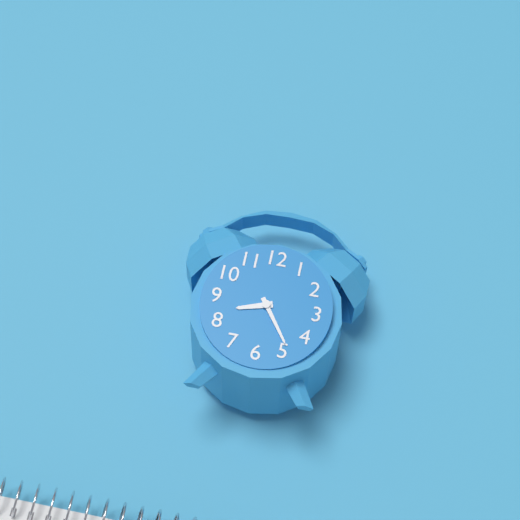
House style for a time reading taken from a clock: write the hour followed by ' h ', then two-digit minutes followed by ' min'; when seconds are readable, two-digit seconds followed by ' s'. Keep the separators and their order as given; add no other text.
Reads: 8 h 24 min
